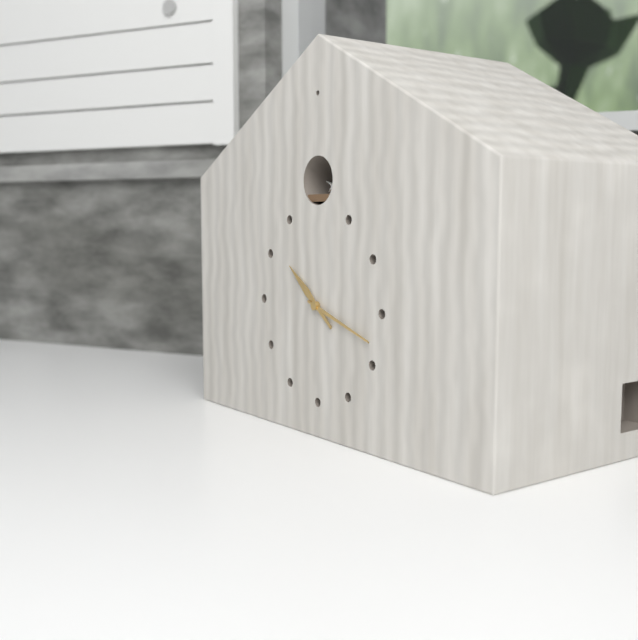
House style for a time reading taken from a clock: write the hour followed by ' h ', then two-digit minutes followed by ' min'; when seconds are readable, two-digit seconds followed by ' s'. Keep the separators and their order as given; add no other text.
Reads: 10 h 18 min
